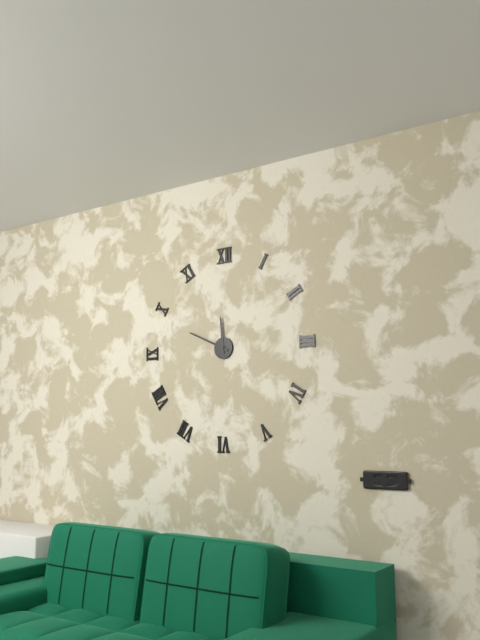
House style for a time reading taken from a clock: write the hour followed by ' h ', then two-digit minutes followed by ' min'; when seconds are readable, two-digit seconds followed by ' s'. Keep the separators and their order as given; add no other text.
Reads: 11 h 49 min
